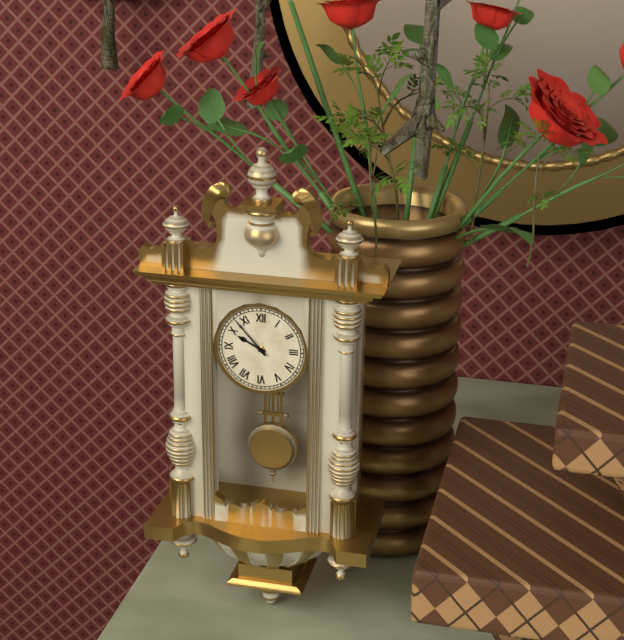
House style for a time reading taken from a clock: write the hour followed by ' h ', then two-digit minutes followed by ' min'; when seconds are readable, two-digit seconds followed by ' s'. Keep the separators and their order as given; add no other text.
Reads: 9 h 53 min
